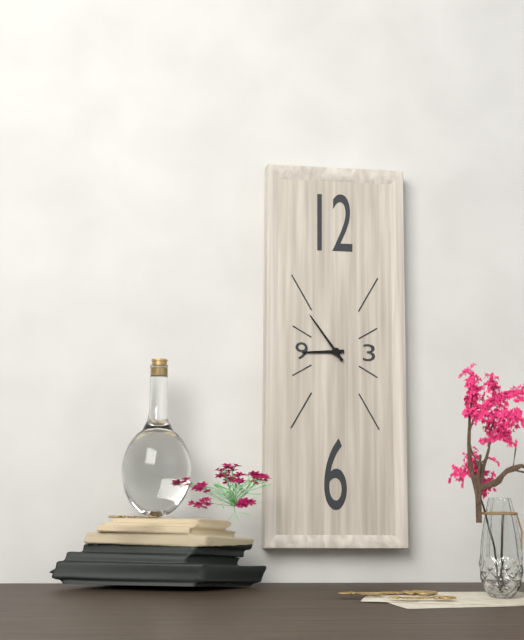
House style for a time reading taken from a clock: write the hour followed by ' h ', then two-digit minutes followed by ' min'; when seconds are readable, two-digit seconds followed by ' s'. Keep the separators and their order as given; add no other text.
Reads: 8 h 54 min
